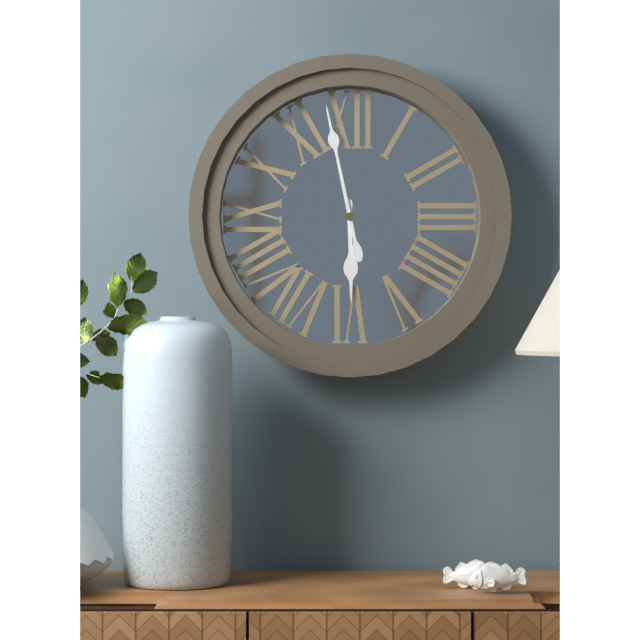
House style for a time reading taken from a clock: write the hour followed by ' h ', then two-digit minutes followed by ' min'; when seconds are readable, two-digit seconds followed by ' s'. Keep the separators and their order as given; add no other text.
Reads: 5 h 58 min
